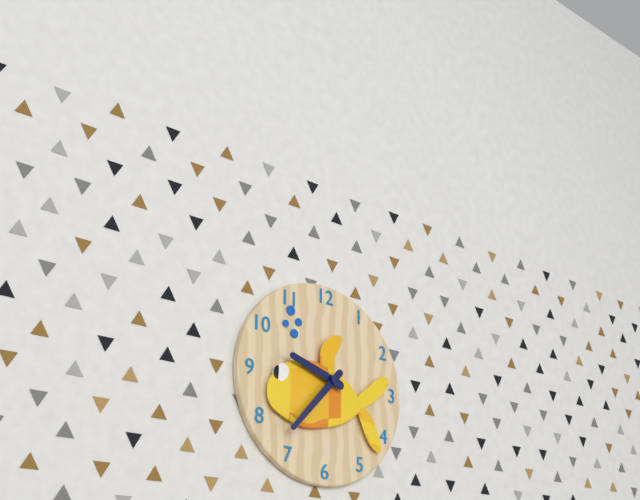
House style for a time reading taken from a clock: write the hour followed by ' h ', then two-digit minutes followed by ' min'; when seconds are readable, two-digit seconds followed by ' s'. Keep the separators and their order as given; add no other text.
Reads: 9 h 37 min
